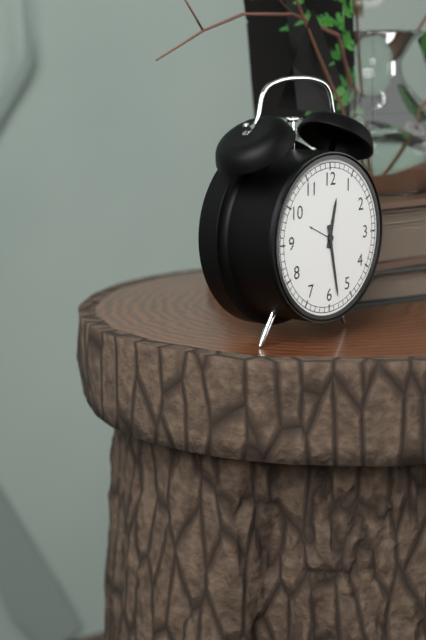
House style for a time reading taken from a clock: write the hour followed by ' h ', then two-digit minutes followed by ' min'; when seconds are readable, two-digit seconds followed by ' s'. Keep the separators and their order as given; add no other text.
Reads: 12 h 28 min
